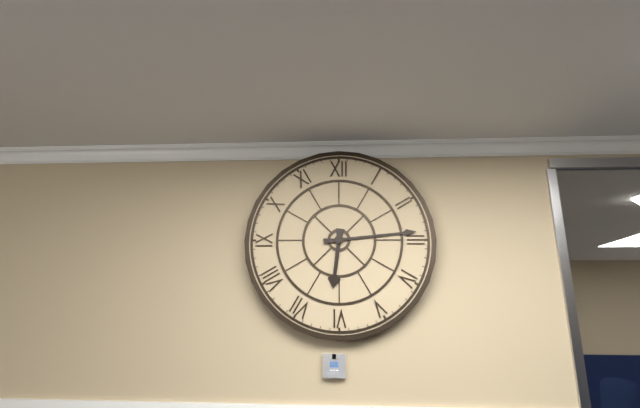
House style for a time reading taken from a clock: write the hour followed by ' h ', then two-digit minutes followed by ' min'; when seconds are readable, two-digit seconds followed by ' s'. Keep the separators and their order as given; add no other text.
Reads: 6 h 14 min
